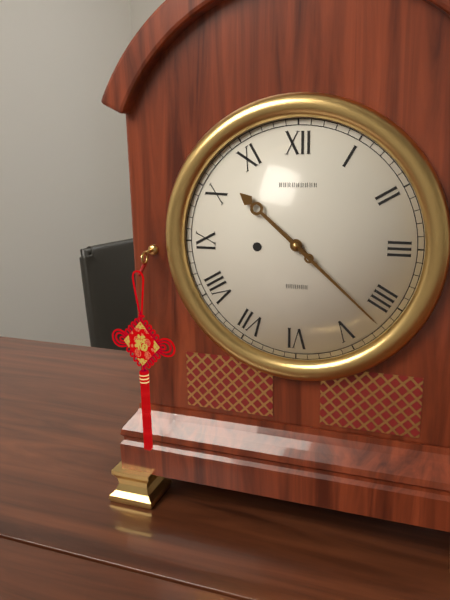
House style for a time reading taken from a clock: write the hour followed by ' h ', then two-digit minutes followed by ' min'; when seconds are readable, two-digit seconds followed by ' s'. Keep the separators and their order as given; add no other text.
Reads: 10 h 22 min
